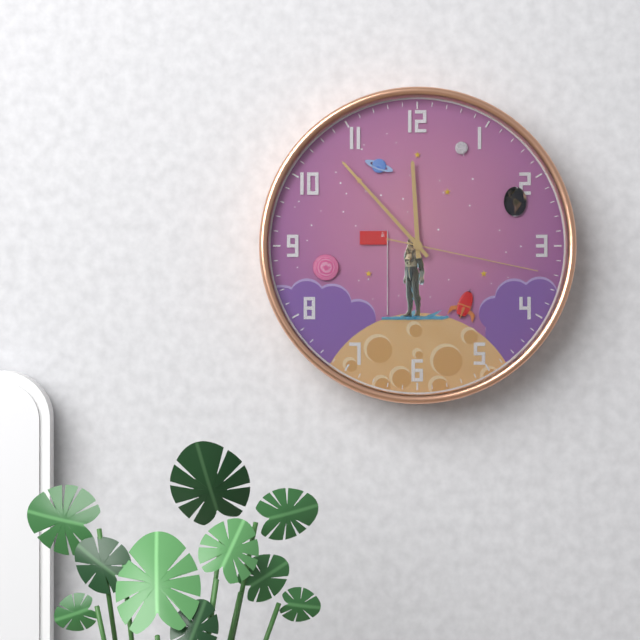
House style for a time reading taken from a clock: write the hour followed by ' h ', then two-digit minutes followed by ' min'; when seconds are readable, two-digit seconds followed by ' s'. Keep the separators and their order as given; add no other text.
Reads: 11 h 53 min 17 s
